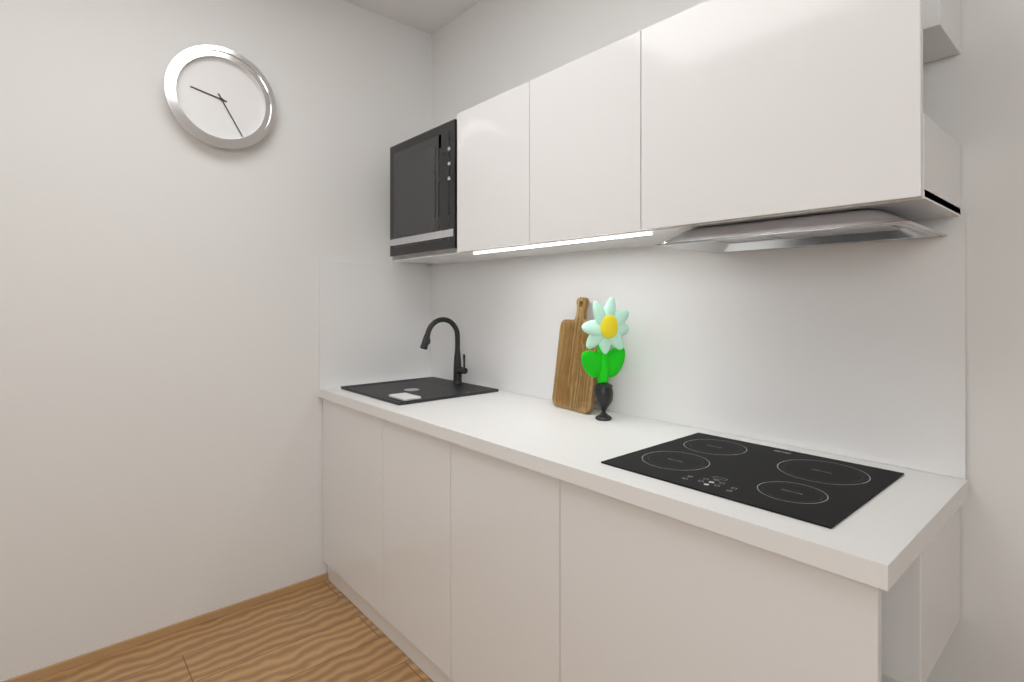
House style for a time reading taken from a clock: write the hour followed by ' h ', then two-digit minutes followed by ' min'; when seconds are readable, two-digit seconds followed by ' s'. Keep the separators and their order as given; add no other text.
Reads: 9 h 25 min
